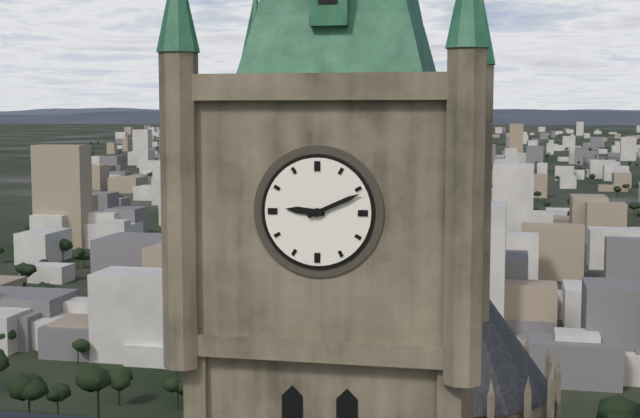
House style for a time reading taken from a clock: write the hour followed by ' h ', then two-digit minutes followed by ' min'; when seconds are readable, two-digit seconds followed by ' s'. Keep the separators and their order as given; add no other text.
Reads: 9 h 11 min
